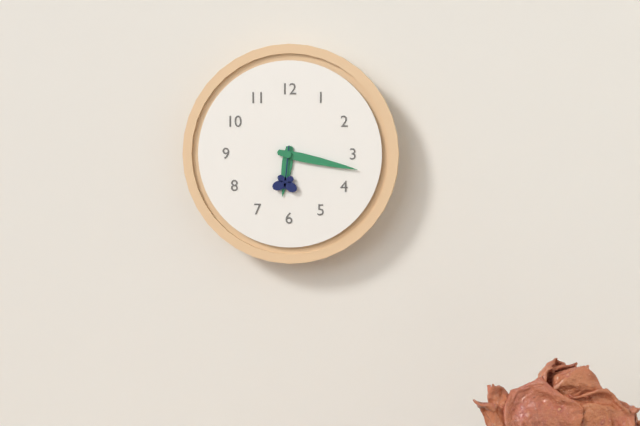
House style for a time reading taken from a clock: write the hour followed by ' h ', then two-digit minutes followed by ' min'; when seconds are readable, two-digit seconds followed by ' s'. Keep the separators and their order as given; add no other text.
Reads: 6 h 17 min
